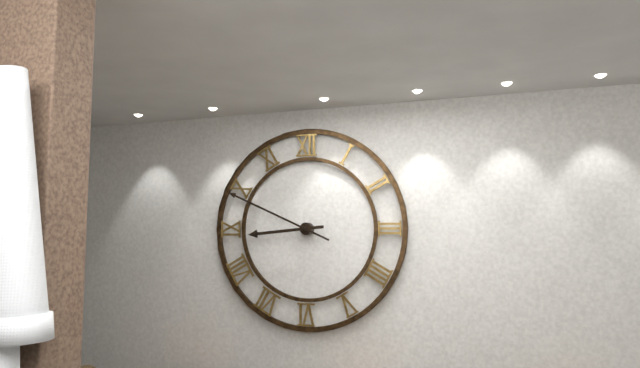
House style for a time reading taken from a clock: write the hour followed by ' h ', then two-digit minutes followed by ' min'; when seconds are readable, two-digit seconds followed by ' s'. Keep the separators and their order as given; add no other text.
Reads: 8 h 49 min
